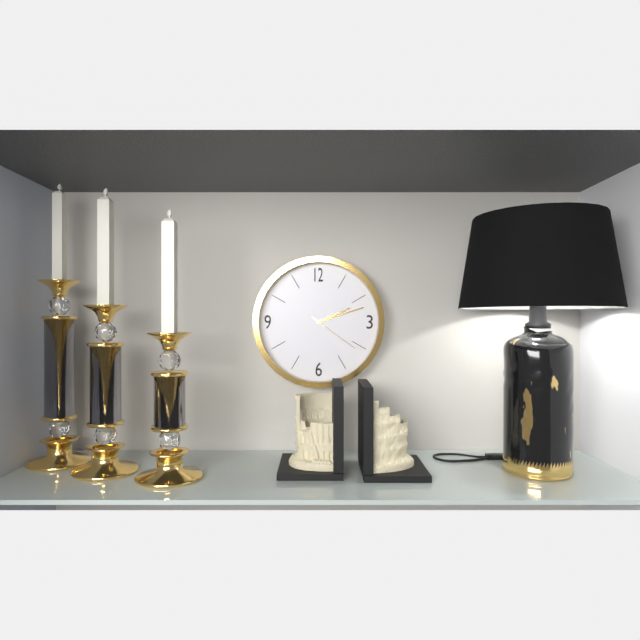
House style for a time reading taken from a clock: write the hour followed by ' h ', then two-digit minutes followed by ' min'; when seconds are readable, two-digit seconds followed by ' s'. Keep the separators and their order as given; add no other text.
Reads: 2 h 12 min 21 s
